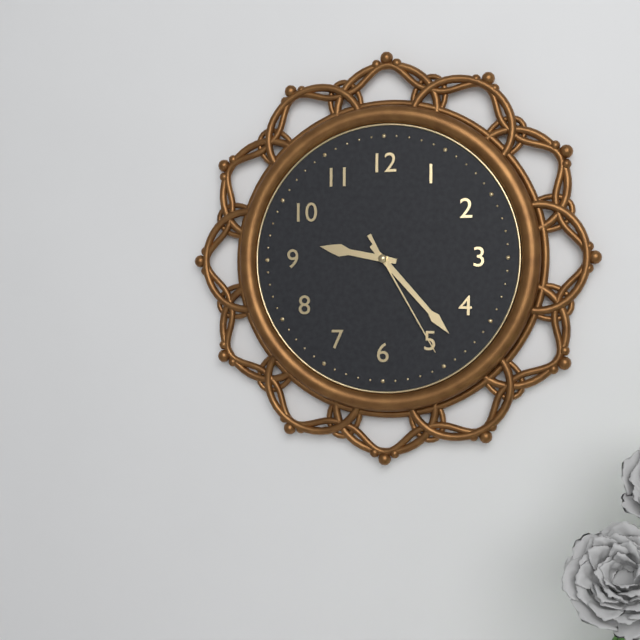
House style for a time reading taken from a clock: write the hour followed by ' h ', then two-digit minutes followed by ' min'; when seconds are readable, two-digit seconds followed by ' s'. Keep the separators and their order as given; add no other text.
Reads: 9 h 23 min 25 s
